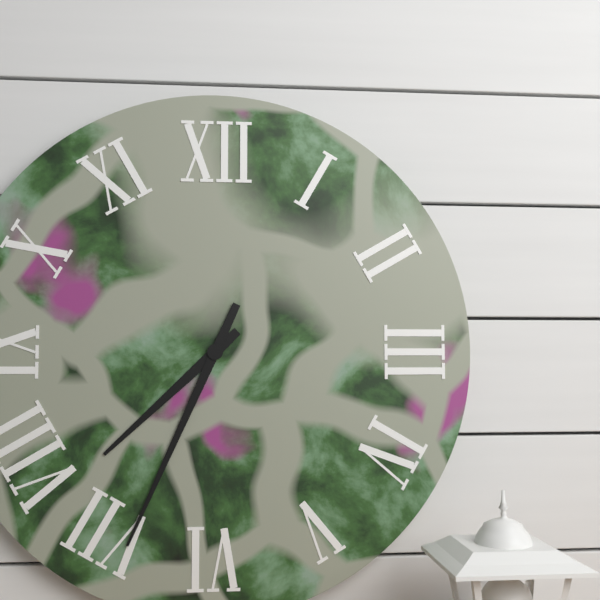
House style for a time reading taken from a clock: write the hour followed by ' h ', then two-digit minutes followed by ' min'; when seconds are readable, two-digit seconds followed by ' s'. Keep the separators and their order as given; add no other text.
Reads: 7 h 34 min
